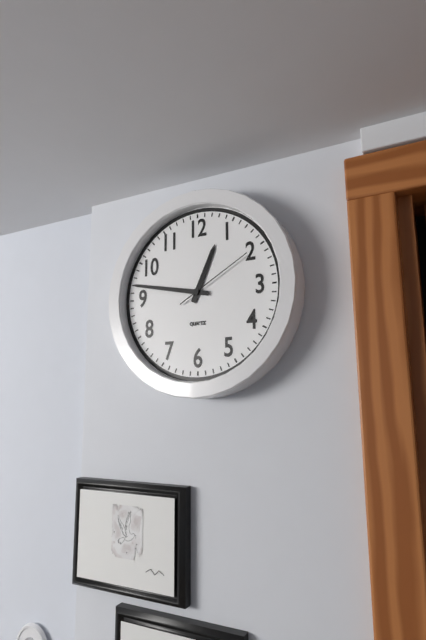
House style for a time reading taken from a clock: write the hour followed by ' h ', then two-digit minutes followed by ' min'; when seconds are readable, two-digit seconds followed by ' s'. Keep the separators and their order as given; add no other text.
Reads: 12 h 47 min 10 s
